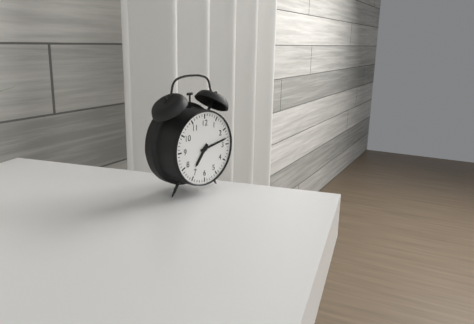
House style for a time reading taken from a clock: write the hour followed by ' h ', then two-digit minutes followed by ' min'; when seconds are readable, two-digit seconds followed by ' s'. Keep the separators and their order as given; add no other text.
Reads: 7 h 13 min
